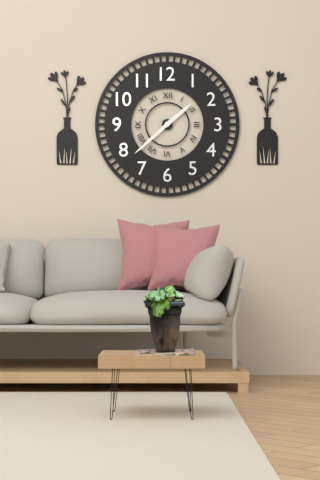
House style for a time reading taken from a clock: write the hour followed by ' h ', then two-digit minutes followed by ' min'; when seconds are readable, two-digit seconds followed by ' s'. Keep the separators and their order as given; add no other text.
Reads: 1 h 38 min
